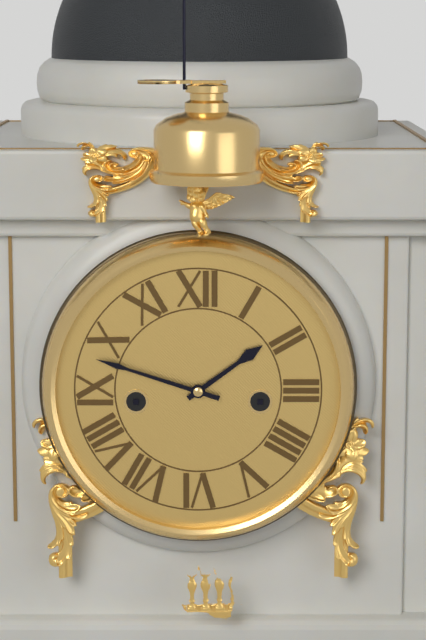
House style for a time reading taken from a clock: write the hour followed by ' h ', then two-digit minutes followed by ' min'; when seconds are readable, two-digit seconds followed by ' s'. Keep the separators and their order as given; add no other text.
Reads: 1 h 48 min
